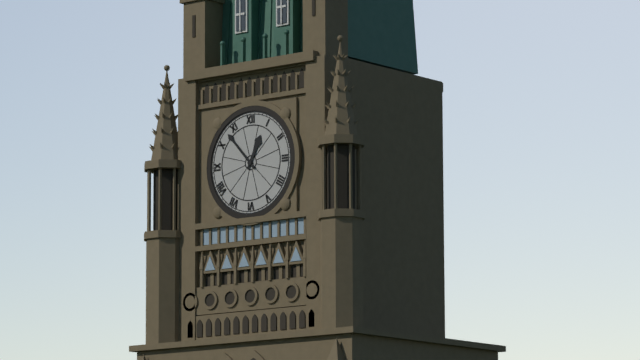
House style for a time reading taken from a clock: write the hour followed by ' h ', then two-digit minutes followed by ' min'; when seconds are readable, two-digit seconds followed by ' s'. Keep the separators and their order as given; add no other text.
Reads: 12 h 53 min
